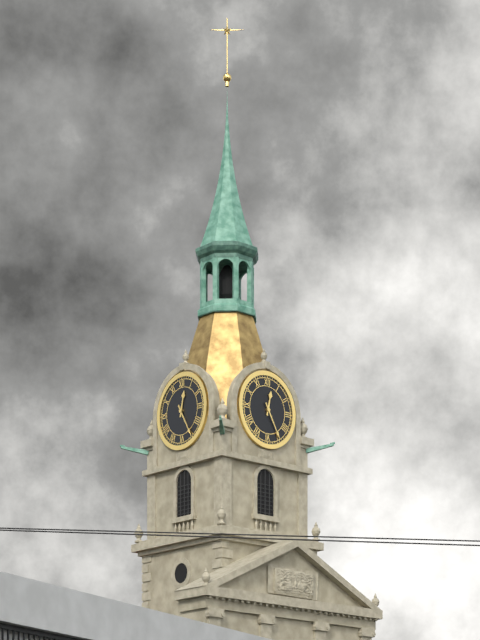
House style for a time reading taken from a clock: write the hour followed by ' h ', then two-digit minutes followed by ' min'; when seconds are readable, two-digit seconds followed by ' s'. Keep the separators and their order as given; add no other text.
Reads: 12 h 25 min
